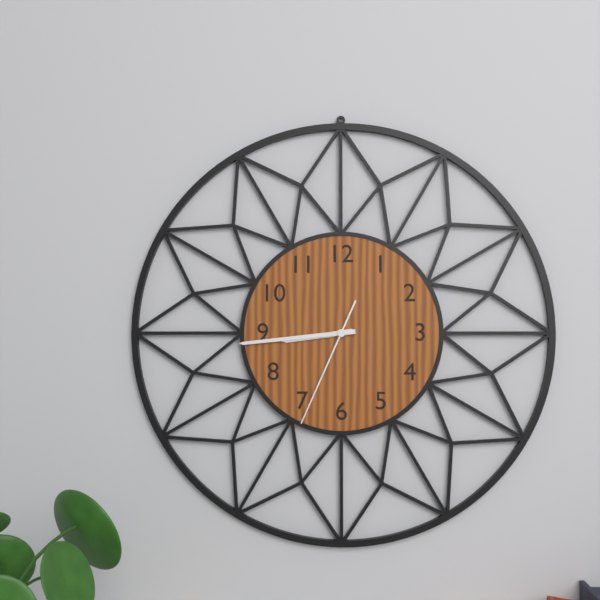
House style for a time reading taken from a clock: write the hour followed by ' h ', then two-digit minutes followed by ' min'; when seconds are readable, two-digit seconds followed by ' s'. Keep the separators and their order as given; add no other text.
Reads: 8 h 44 min 34 s
